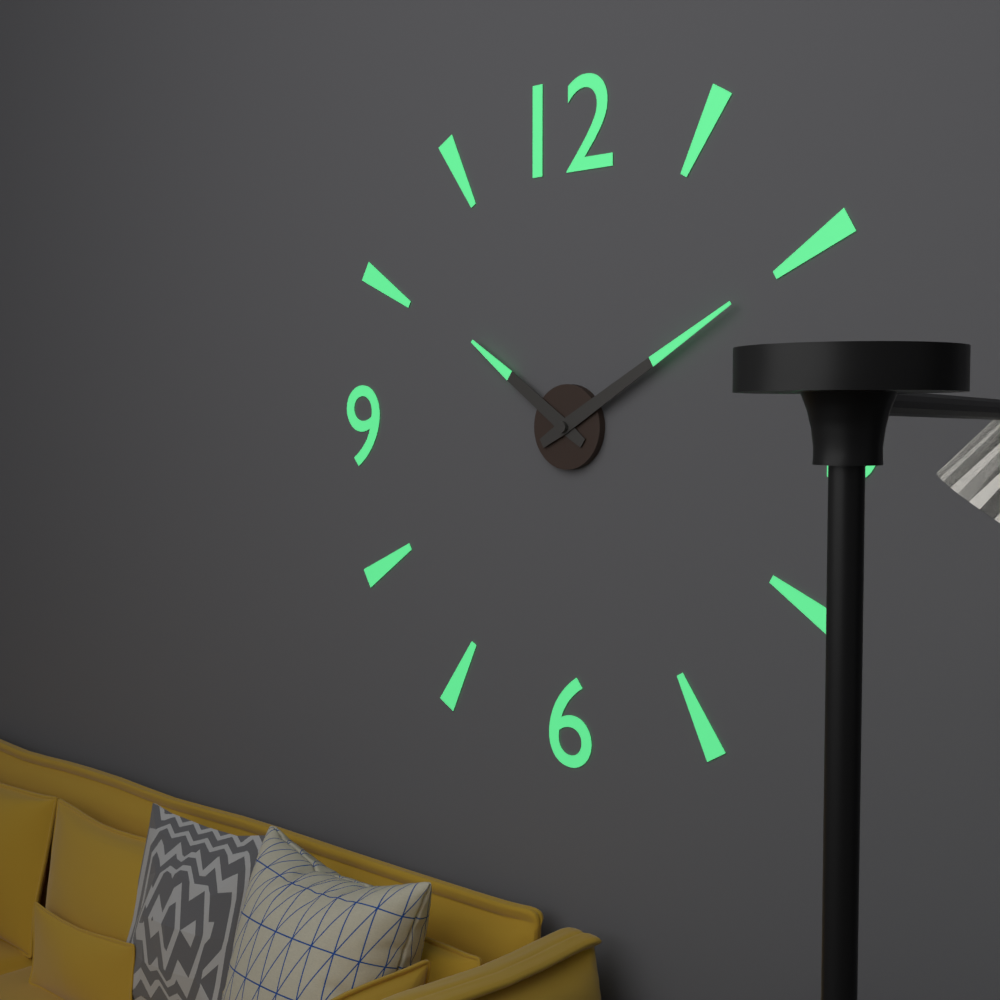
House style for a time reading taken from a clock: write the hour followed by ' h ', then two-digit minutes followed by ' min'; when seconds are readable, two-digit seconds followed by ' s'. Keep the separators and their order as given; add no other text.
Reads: 10 h 10 min
